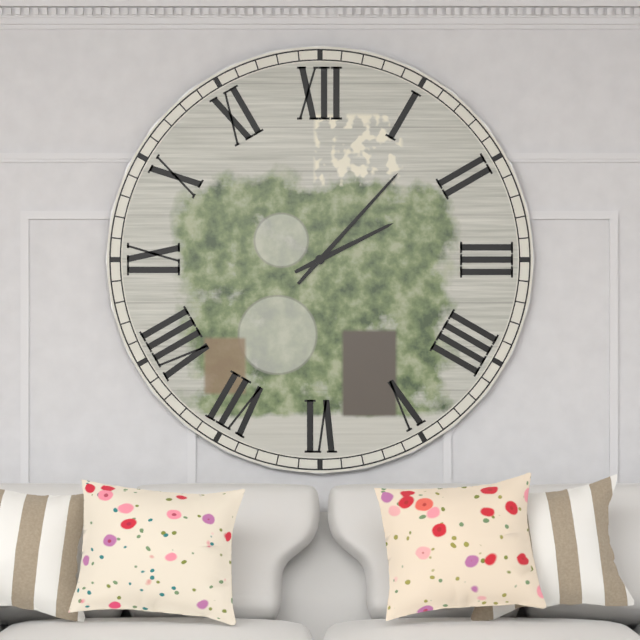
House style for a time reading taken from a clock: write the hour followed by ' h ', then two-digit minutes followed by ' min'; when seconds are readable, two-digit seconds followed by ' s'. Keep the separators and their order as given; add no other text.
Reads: 2 h 07 min
